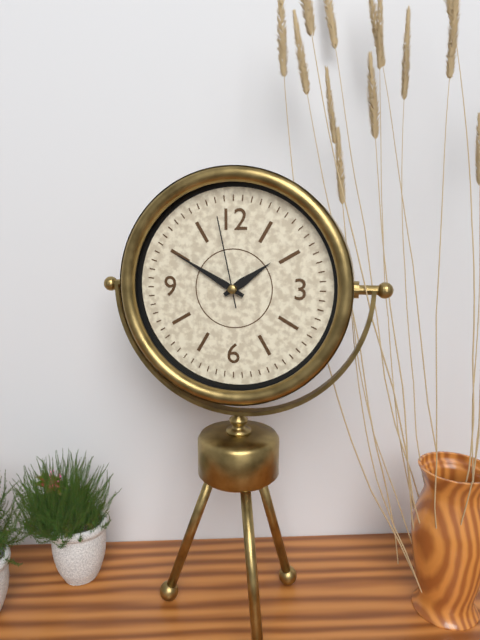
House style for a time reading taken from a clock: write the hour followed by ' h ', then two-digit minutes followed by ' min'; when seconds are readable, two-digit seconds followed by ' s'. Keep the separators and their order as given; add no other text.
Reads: 1 h 50 min 58 s
